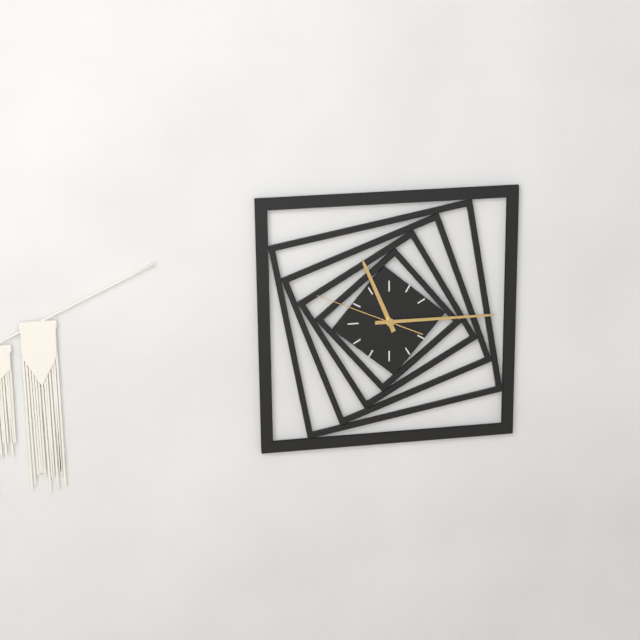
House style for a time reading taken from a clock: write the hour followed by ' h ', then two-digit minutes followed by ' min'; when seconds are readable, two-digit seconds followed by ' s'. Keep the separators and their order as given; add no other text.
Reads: 11 h 15 min 49 s
